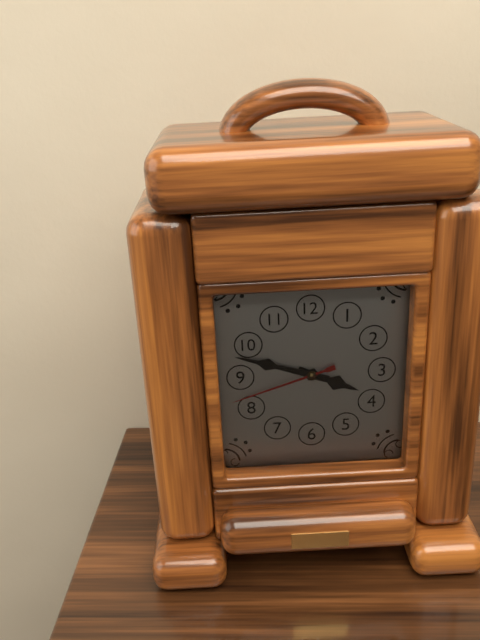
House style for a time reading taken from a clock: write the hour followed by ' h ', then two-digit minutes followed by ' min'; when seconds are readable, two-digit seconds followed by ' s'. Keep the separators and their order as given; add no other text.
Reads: 3 h 48 min 42 s
